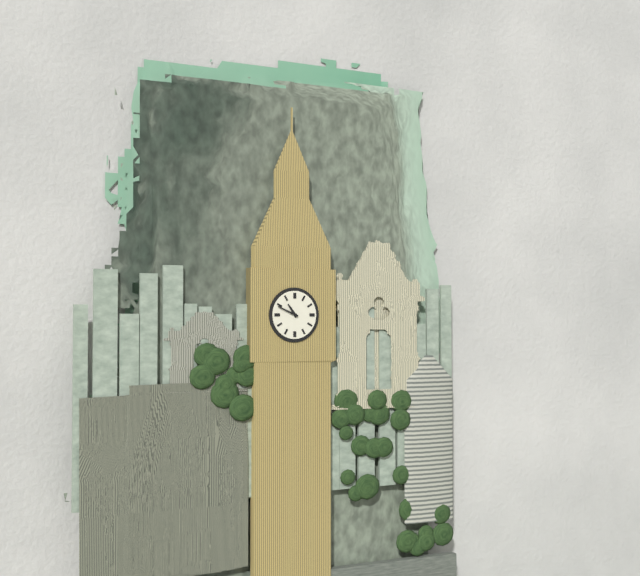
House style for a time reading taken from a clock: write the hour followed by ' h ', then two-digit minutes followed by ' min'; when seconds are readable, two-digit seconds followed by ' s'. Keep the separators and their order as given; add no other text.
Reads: 10 h 49 min
